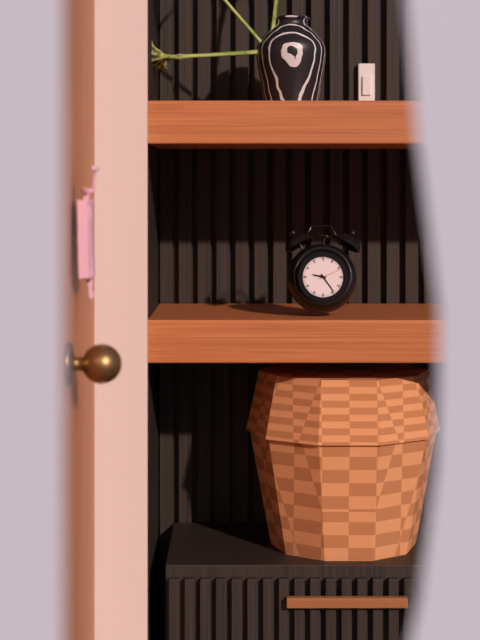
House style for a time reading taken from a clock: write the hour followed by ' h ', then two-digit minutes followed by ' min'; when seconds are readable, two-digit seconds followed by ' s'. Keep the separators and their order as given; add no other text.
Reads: 9 h 24 min
